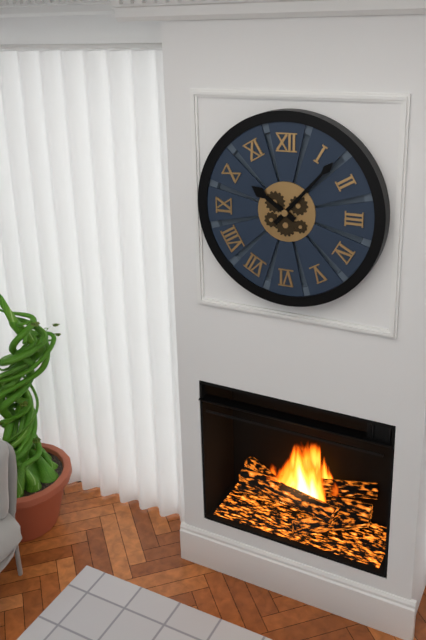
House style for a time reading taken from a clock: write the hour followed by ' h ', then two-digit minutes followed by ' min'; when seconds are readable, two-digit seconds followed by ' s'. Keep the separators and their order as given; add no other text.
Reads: 10 h 07 min
